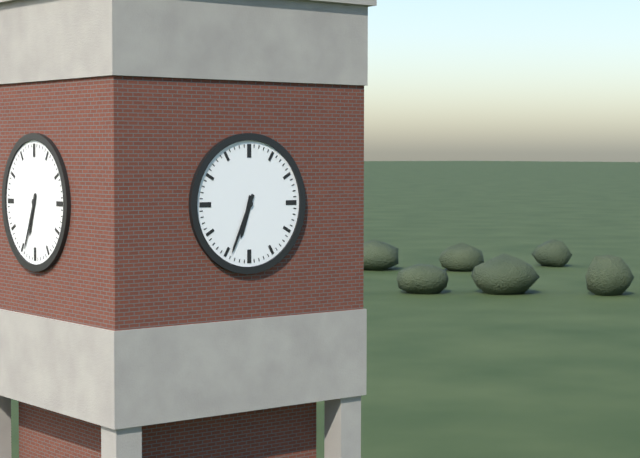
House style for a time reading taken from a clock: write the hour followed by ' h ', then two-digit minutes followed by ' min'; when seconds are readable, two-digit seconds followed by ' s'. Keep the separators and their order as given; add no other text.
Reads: 6 h 34 min
